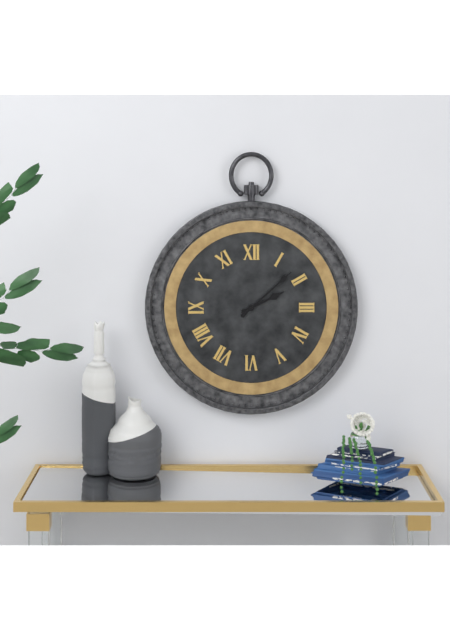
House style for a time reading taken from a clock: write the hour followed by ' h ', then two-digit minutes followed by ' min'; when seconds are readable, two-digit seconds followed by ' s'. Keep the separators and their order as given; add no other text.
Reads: 2 h 08 min
